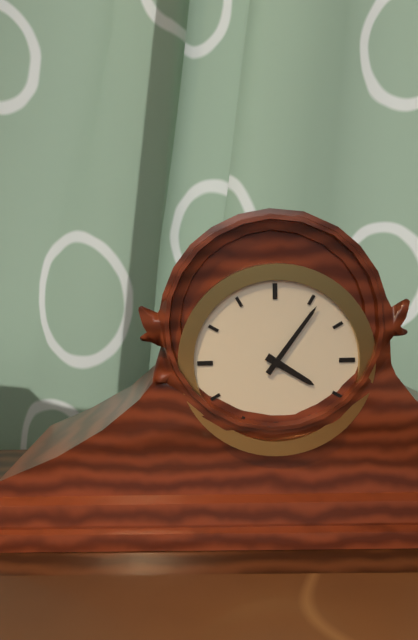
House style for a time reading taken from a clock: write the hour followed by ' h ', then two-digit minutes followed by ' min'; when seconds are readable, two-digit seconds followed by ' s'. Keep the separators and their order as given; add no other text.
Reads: 4 h 06 min
